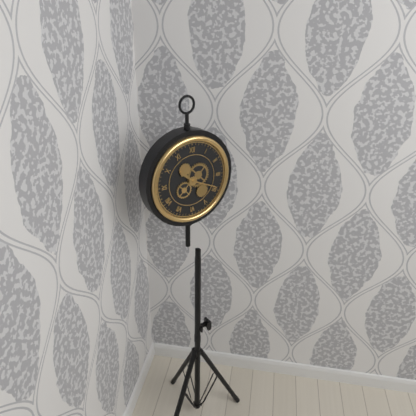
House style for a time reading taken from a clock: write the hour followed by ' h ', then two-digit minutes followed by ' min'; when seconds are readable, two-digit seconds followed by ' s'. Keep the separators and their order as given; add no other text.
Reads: 10 h 19 min
